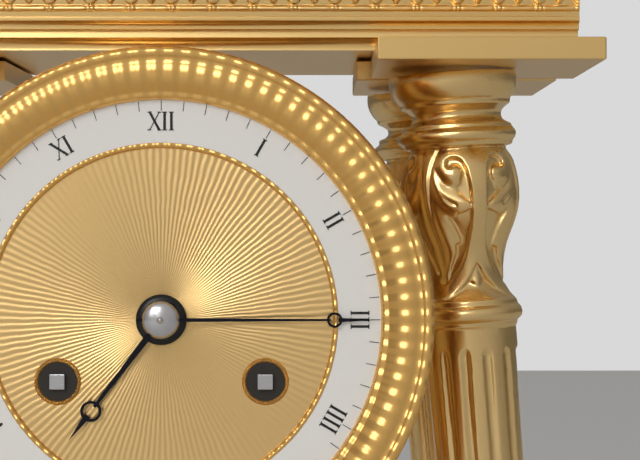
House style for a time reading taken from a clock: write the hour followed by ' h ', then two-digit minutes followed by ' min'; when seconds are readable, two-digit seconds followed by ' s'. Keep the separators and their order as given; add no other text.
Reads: 7 h 15 min
